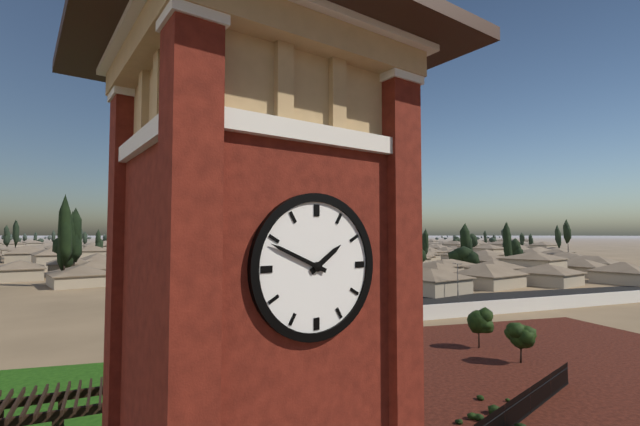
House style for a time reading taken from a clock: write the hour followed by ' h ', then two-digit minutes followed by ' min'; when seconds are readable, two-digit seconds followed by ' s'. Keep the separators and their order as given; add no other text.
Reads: 1 h 49 min
